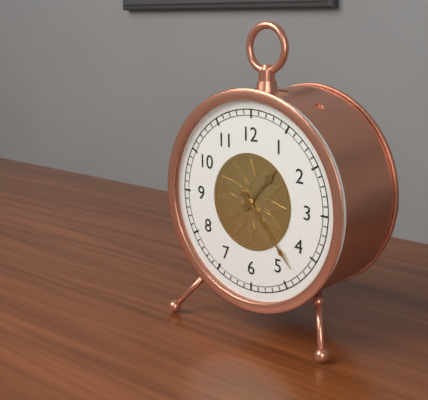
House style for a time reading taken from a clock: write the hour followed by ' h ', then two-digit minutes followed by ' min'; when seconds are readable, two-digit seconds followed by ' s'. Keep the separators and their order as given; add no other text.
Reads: 1 h 23 min
